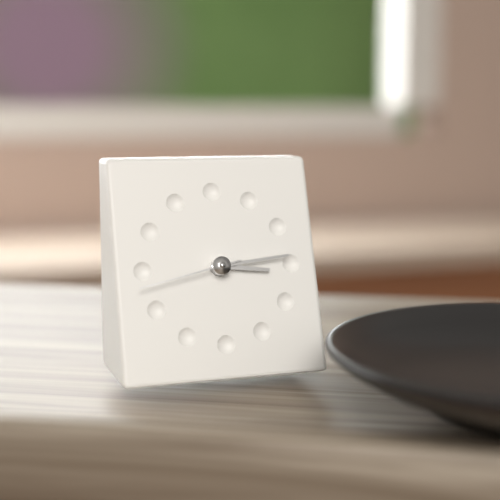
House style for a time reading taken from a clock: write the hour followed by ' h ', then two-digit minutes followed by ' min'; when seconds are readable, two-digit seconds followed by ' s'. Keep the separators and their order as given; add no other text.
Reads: 3 h 14 min 43 s
